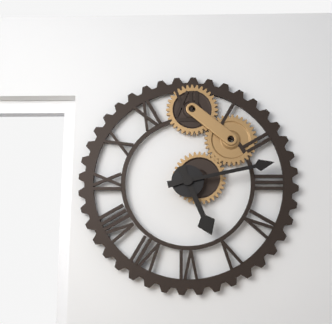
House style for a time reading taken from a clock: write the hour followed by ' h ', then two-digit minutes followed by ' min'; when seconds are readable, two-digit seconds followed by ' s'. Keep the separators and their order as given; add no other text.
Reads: 5 h 13 min
